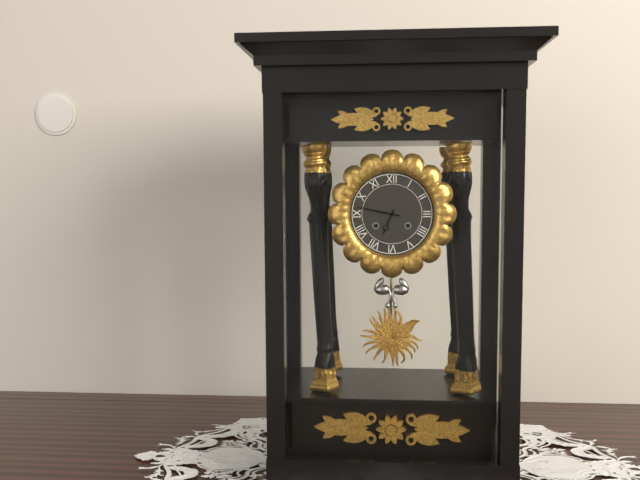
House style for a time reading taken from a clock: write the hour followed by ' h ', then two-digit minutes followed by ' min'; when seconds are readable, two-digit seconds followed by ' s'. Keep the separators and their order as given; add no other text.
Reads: 6 h 47 min
